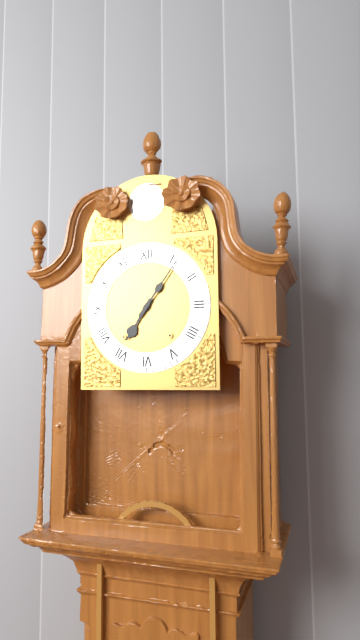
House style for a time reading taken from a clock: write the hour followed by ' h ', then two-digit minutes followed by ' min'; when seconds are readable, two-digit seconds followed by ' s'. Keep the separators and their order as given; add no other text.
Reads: 7 h 06 min
